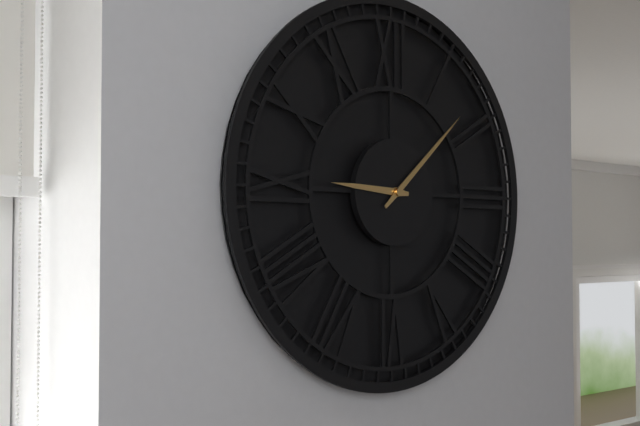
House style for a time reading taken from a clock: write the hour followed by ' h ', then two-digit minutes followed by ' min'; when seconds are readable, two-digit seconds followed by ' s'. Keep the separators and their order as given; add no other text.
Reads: 9 h 08 min
